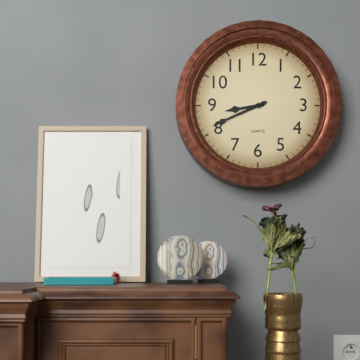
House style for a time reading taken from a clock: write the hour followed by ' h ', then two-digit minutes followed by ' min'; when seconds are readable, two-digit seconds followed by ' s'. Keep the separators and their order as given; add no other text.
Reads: 8 h 41 min
